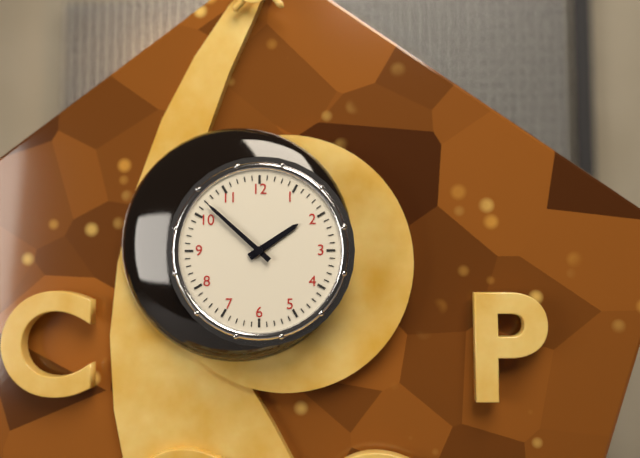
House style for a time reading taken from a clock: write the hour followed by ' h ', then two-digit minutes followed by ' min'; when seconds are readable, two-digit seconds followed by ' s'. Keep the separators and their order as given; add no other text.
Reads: 1 h 52 min
